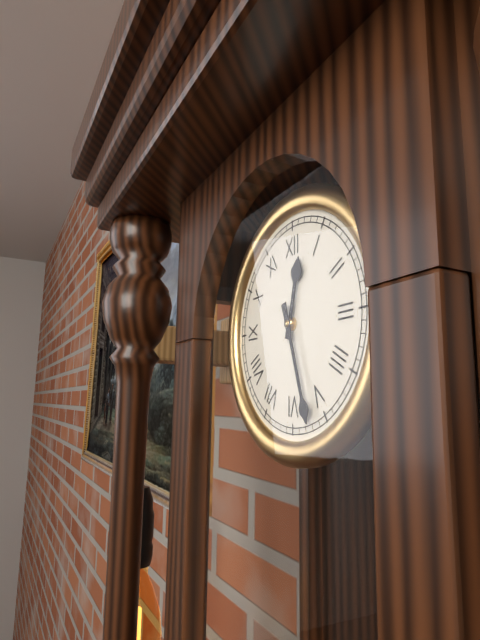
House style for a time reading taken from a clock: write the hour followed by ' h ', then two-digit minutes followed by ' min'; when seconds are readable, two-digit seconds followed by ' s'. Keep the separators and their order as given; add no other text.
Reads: 12 h 27 min
